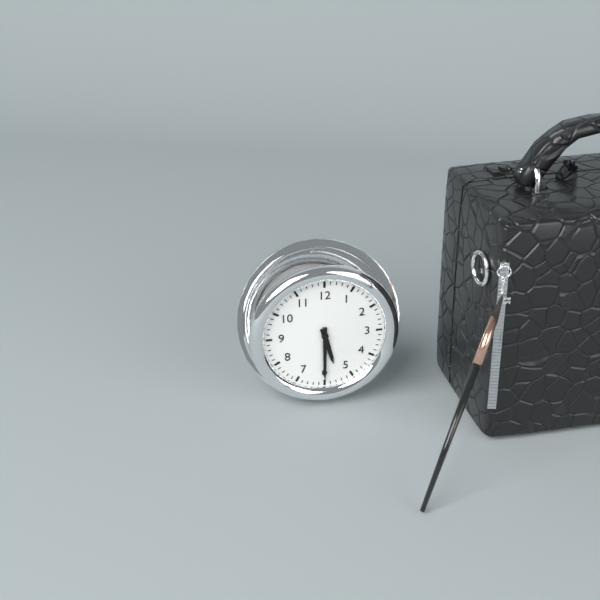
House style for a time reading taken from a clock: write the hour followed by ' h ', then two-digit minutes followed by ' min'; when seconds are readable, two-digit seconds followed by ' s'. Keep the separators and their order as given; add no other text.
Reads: 5 h 30 min
